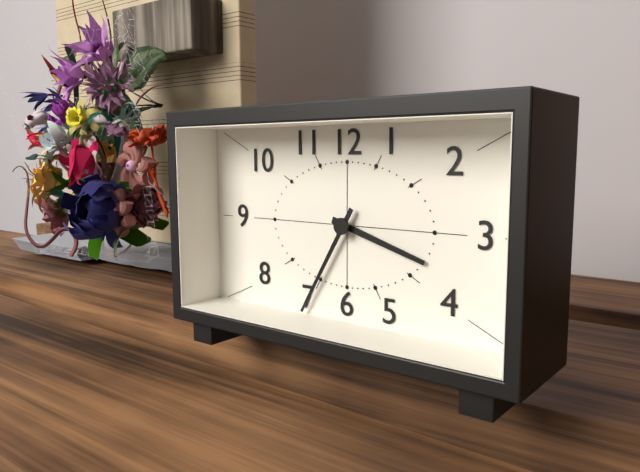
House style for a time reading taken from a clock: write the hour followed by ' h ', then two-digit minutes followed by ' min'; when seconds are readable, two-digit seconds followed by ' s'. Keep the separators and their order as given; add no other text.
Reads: 3 h 35 min
